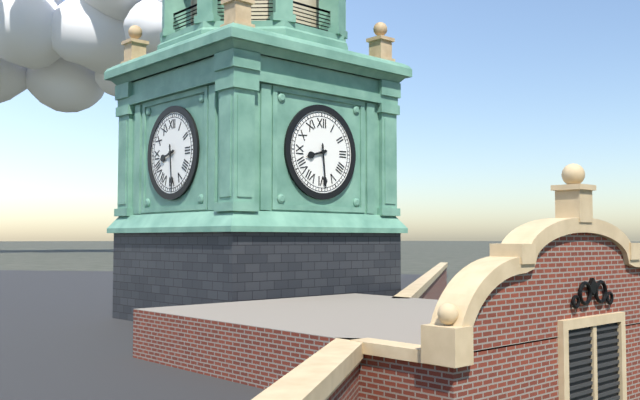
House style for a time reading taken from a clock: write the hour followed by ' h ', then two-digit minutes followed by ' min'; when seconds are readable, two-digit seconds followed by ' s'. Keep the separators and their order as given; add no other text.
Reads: 8 h 29 min
